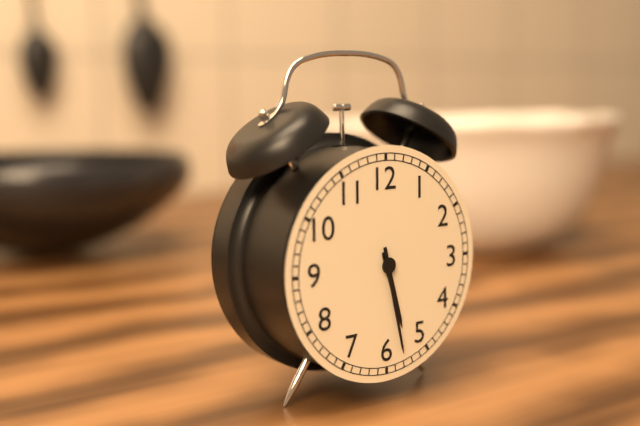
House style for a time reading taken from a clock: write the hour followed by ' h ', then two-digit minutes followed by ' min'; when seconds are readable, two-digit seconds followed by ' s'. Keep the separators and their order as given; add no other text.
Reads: 5 h 28 min
